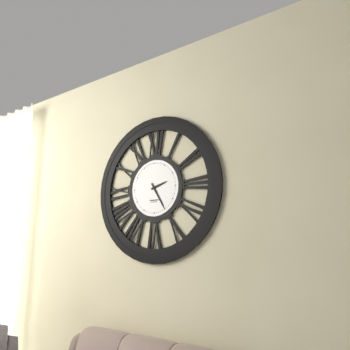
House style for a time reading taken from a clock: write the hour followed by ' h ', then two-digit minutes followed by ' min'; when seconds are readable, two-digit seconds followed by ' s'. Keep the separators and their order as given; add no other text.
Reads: 2 h 25 min
